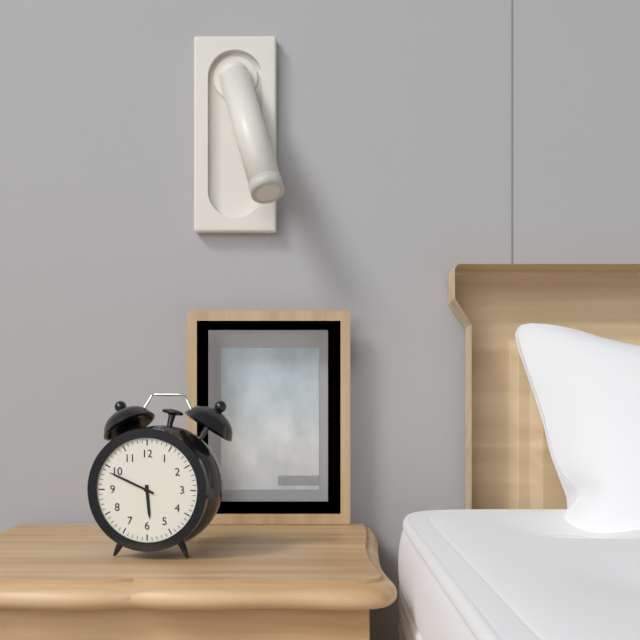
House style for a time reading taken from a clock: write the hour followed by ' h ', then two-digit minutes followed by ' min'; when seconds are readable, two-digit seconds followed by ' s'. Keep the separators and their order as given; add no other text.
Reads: 5 h 49 min
